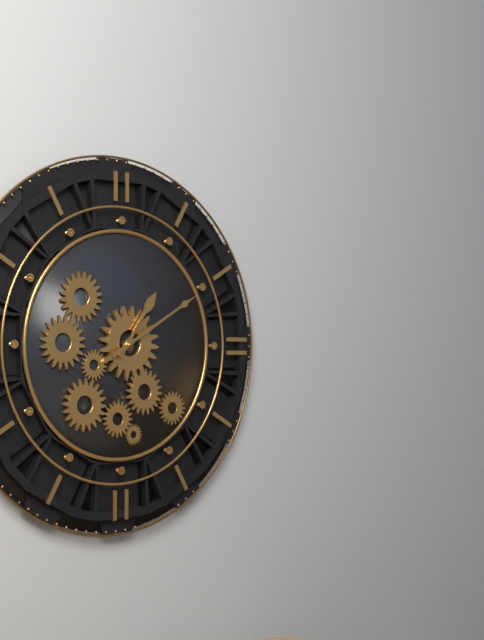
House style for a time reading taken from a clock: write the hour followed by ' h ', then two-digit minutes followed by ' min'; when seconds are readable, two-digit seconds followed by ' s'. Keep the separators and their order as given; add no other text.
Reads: 1 h 10 min
